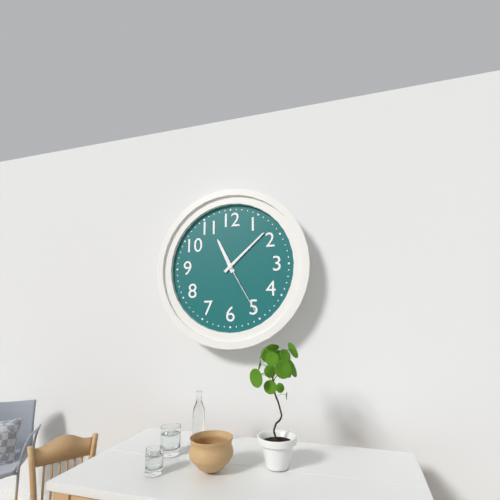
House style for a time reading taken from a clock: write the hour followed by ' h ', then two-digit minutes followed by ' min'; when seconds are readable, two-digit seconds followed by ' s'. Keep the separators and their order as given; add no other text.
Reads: 11 h 08 min 25 s
